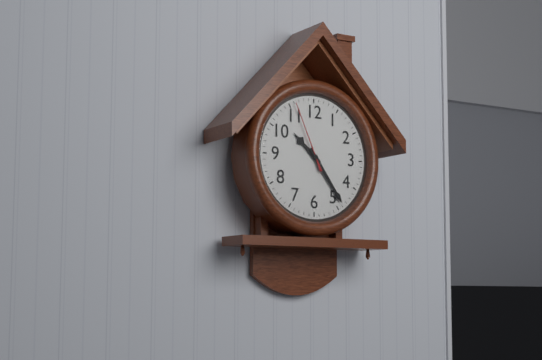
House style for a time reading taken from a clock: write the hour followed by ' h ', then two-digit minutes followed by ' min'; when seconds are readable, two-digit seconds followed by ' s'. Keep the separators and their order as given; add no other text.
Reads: 10 h 24 min 56 s
